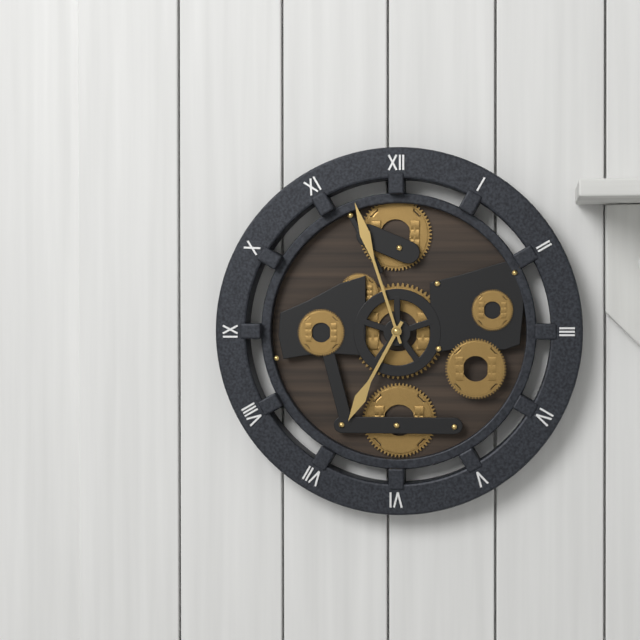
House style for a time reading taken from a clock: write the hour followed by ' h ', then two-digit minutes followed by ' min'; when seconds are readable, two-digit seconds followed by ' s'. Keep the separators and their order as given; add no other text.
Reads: 6 h 57 min
